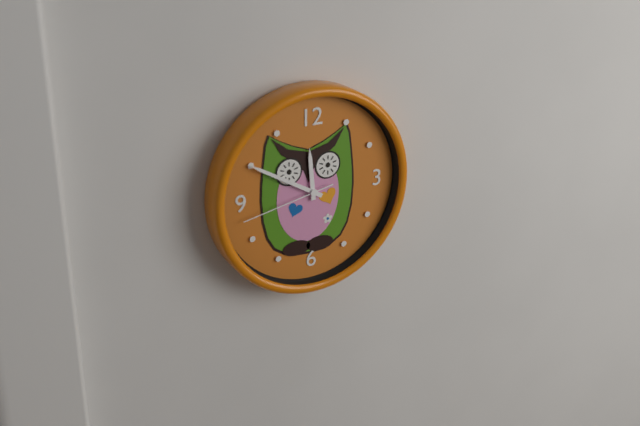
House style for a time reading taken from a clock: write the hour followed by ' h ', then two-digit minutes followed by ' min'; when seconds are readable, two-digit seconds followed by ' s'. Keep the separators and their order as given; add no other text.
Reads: 11 h 50 min 43 s
